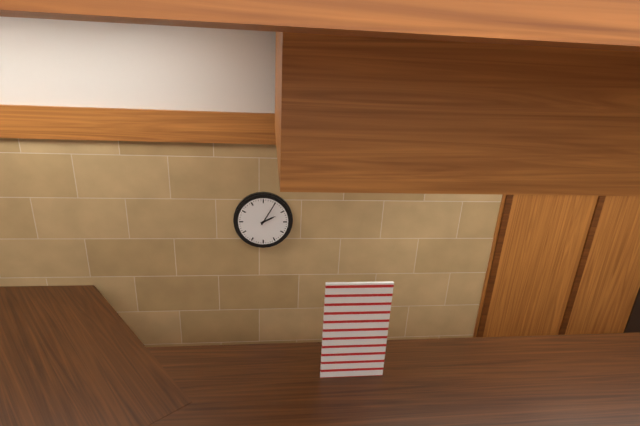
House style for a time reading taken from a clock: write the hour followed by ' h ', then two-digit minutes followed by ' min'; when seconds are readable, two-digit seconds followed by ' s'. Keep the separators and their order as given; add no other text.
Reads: 2 h 05 min
